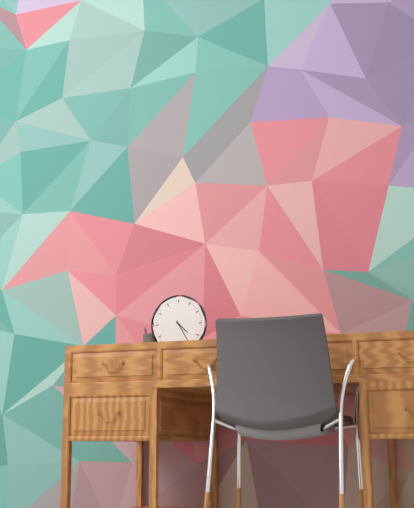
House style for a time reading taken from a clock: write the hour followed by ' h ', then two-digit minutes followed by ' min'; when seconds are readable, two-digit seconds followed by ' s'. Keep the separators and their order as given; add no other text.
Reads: 4 h 25 min
